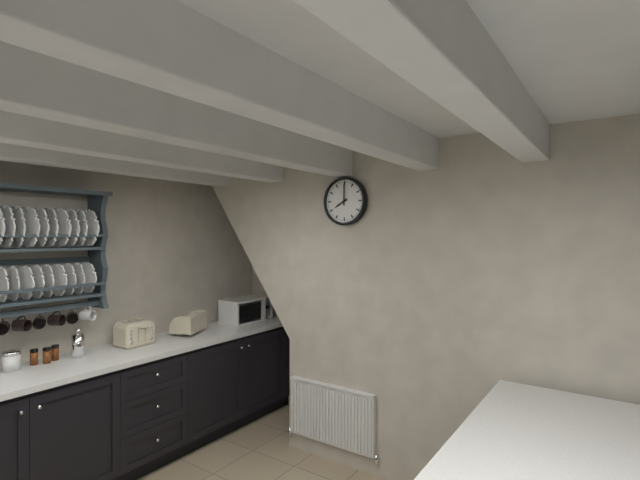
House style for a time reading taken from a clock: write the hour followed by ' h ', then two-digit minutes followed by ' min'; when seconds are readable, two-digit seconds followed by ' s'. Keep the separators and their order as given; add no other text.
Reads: 8 h 00 min
